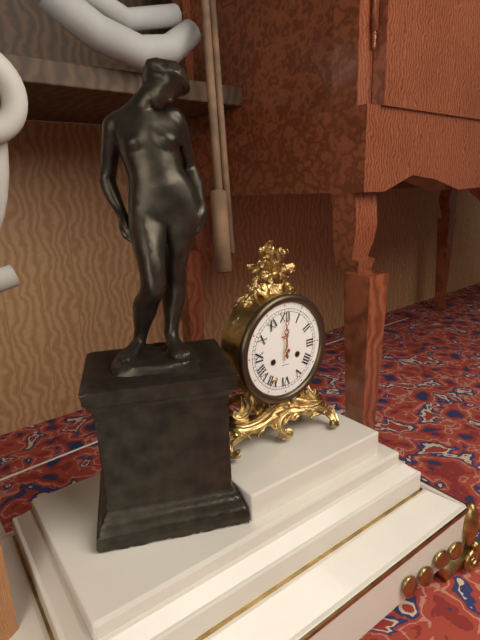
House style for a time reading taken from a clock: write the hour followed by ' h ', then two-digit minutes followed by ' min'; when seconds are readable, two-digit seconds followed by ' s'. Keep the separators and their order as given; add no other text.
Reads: 12 h 00 min
